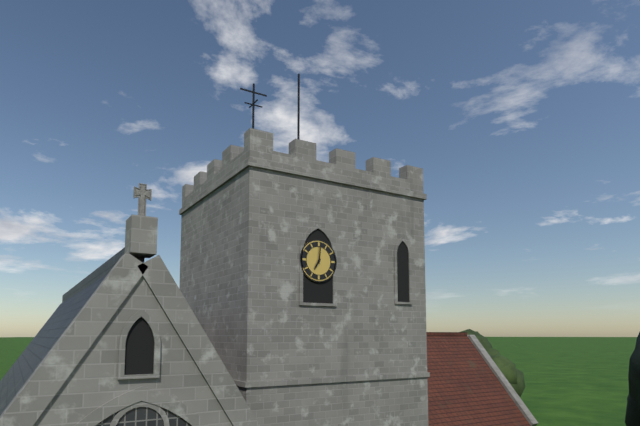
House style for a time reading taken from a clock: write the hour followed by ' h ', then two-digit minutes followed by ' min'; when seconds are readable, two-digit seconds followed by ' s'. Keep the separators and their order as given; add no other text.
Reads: 7 h 01 min
